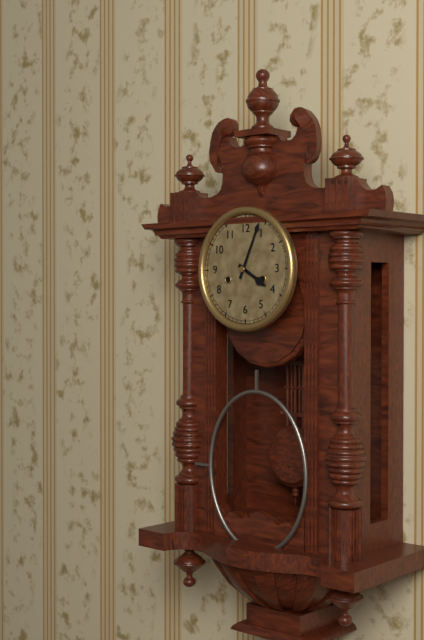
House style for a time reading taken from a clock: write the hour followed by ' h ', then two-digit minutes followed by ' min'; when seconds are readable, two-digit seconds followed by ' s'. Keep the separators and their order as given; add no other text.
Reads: 4 h 04 min
